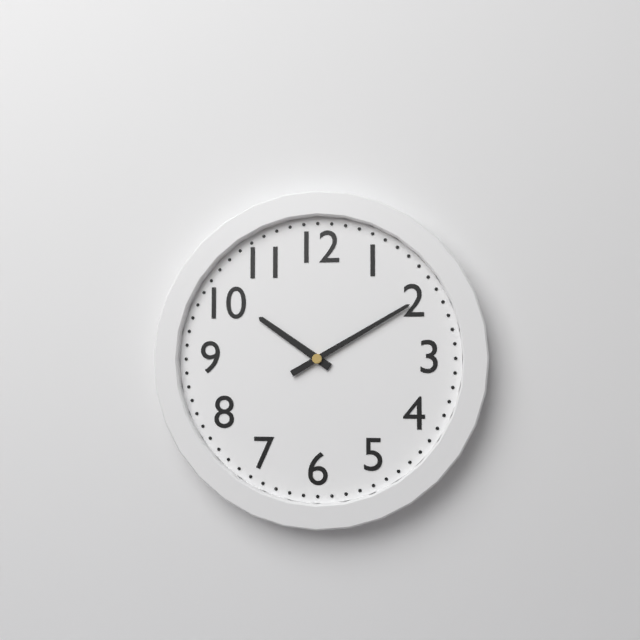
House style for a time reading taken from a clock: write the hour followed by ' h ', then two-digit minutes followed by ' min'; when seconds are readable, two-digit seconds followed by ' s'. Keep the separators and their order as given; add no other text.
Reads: 10 h 10 min
